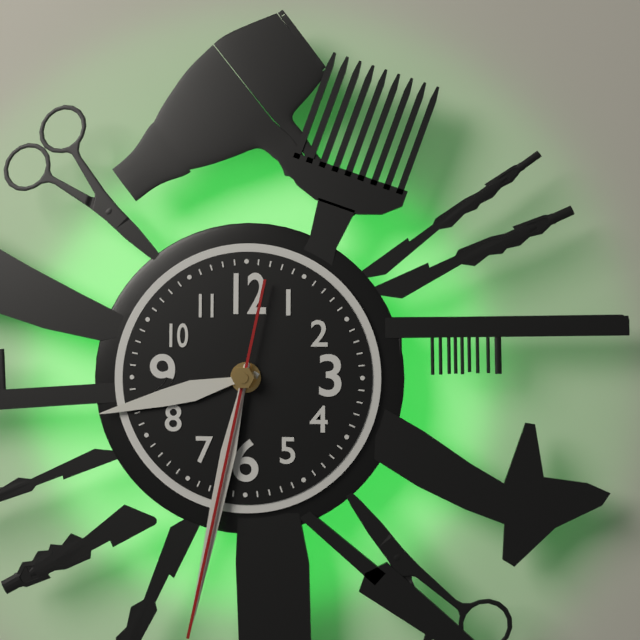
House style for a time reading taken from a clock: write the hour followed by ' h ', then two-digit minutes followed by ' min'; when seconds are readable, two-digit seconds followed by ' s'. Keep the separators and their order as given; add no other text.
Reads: 8 h 32 min 32 s
